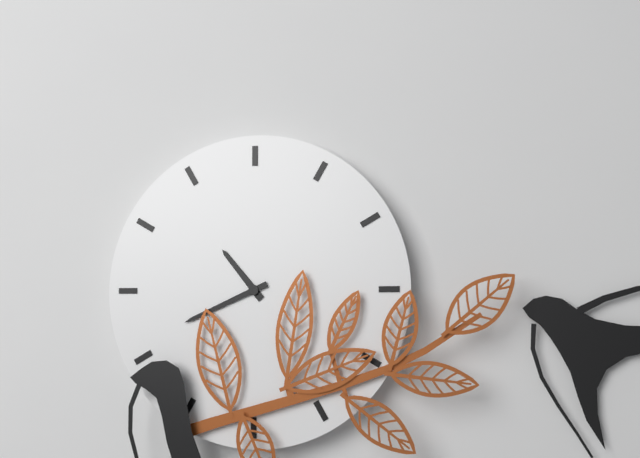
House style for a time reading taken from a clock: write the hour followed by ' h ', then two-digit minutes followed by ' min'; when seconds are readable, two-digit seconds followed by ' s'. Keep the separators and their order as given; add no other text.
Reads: 10 h 41 min
